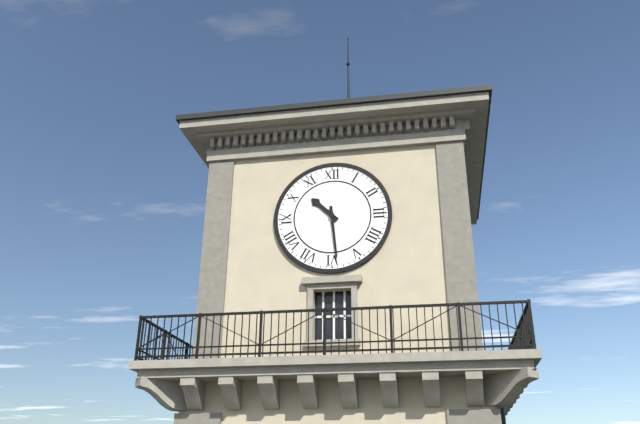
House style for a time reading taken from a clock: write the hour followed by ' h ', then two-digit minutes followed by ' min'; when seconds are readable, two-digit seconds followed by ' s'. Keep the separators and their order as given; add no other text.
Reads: 10 h 29 min
